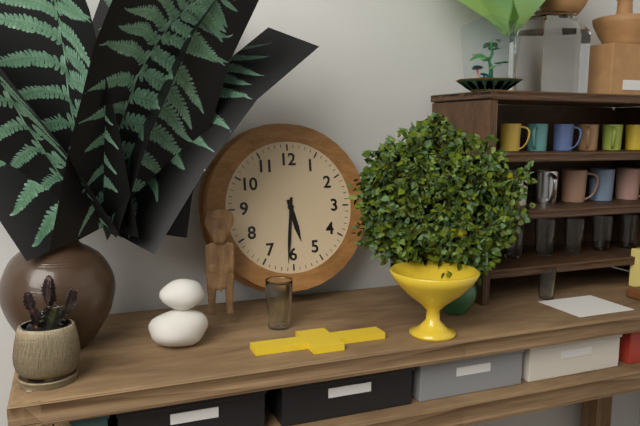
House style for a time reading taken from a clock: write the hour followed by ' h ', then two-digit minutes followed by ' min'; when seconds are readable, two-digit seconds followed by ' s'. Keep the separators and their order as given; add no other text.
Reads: 5 h 31 min
